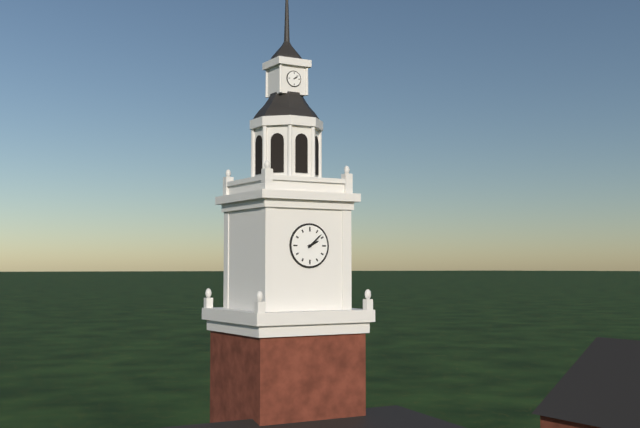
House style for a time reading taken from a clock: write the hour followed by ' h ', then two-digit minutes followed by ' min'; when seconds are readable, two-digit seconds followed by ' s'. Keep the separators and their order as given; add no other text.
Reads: 2 h 08 min
